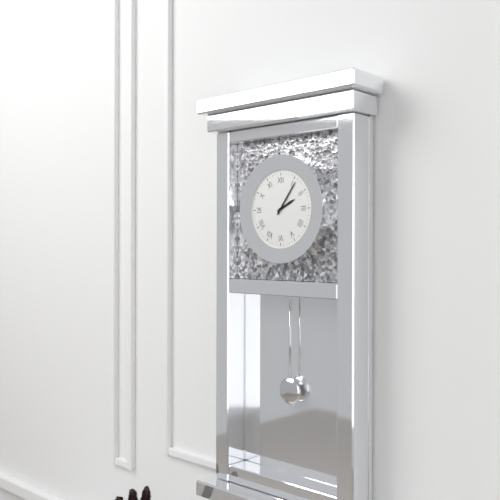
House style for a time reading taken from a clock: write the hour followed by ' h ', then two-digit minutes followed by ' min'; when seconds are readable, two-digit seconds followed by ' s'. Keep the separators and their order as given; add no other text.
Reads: 2 h 06 min
